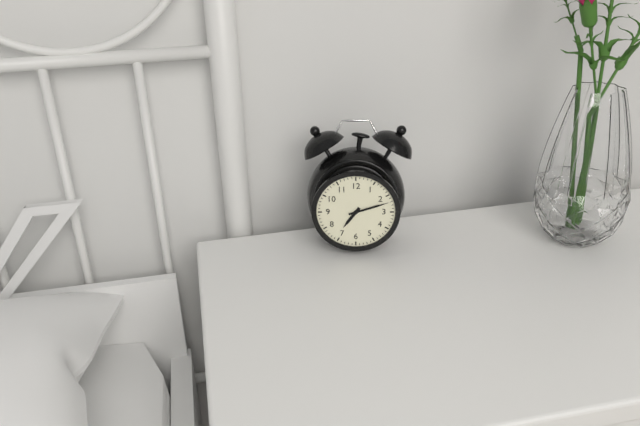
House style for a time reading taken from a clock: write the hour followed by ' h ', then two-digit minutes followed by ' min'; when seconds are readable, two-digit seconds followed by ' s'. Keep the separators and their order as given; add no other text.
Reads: 7 h 12 min
